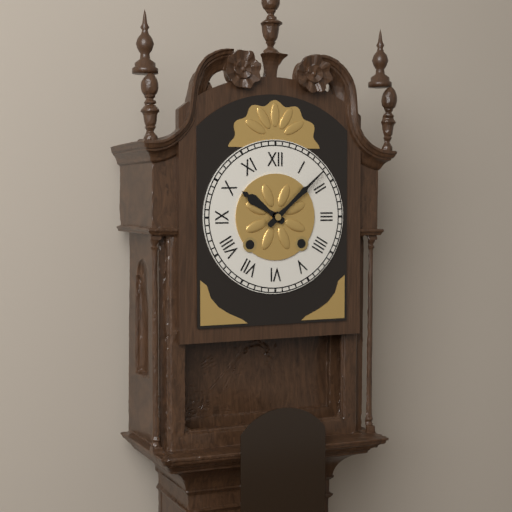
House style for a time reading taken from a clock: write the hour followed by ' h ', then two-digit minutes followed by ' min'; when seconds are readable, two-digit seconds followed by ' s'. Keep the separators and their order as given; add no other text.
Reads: 10 h 08 min
